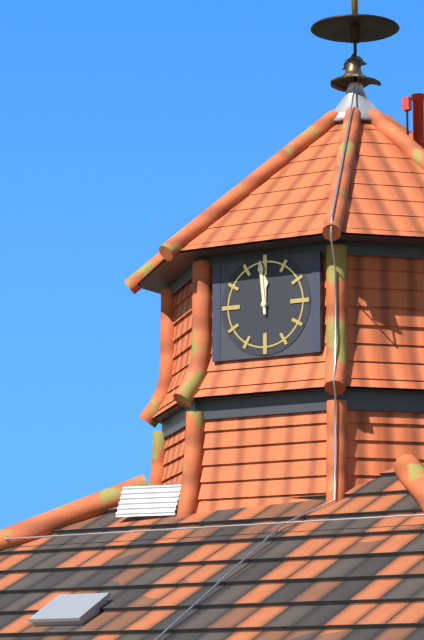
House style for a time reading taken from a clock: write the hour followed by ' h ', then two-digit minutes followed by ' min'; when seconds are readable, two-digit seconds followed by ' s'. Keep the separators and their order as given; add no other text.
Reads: 11 h 59 min
